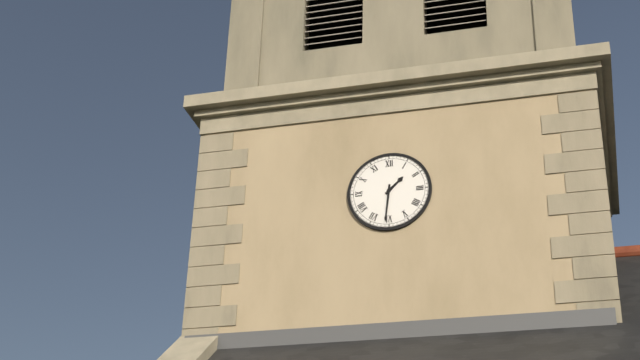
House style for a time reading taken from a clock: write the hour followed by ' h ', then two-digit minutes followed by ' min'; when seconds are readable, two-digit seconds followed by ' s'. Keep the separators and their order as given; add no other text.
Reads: 1 h 31 min
